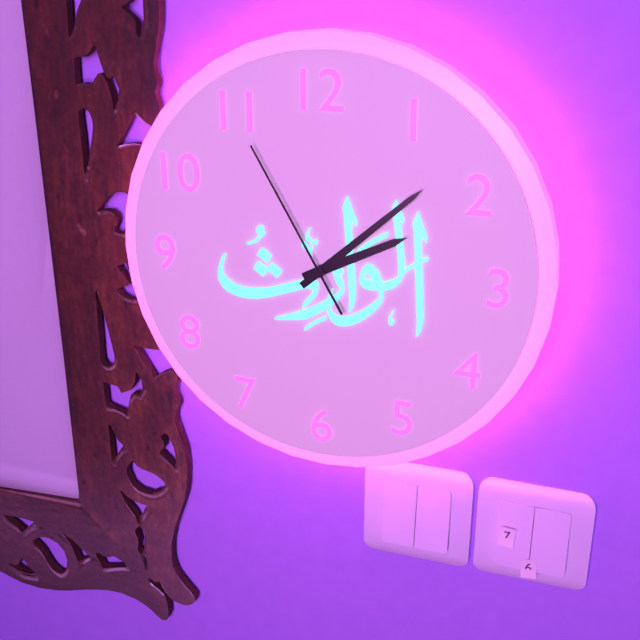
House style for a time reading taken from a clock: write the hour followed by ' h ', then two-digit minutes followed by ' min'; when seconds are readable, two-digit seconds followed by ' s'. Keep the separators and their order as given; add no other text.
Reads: 2 h 08 min 55 s
